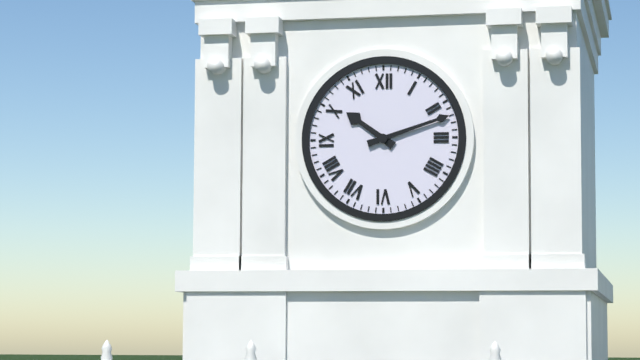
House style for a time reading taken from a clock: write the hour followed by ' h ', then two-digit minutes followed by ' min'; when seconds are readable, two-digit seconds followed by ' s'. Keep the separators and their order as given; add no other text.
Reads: 10 h 12 min
